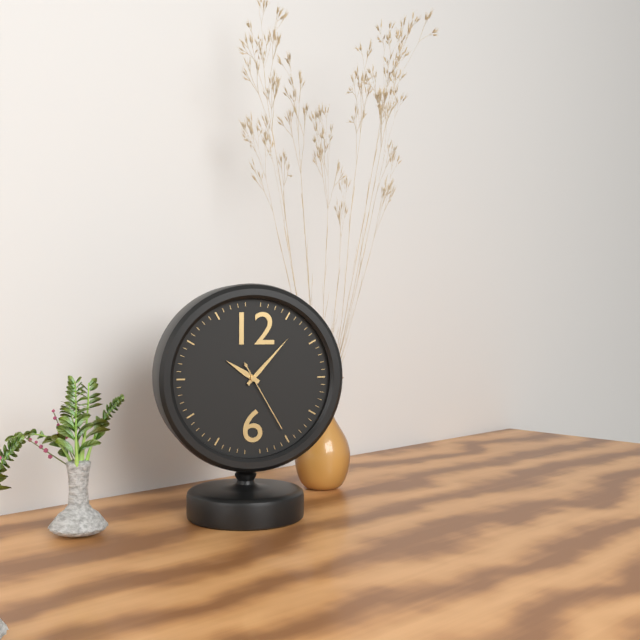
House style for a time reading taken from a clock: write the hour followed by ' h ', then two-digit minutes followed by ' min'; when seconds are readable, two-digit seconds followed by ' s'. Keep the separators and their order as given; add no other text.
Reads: 10 h 07 min 25 s
